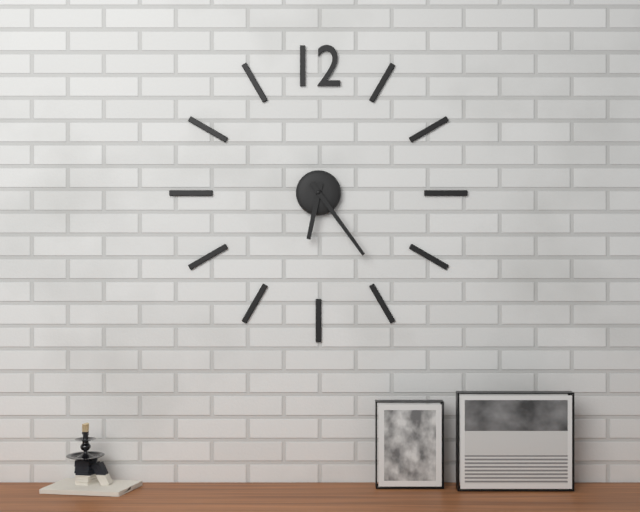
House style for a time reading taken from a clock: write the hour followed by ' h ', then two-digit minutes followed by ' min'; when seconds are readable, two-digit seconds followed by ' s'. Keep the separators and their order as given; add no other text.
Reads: 6 h 24 min
